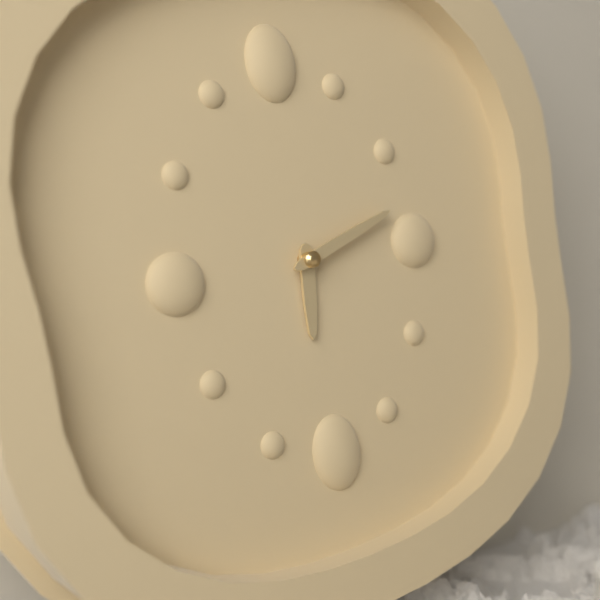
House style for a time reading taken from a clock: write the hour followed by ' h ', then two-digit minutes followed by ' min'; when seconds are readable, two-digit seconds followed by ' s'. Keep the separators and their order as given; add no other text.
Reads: 6 h 12 min
